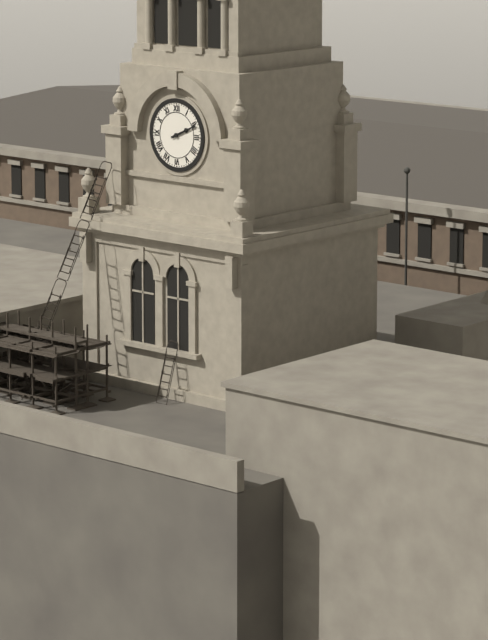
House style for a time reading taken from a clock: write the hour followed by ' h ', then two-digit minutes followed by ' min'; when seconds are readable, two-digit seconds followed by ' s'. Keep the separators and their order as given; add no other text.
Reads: 2 h 11 min
